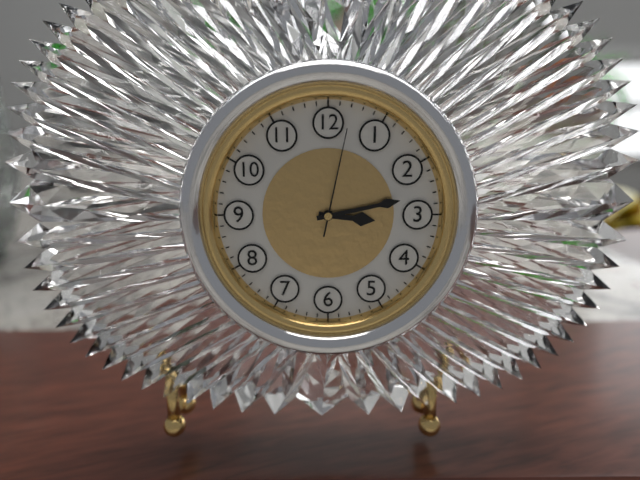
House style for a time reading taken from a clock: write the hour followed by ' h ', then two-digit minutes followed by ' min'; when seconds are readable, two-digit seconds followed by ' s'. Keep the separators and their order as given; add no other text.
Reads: 3 h 13 min 02 s
